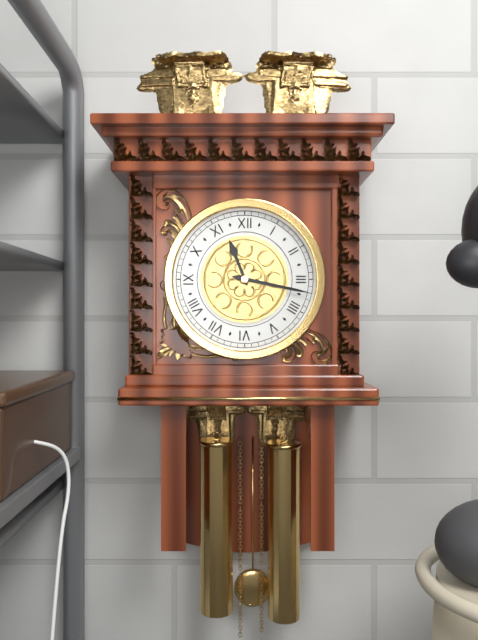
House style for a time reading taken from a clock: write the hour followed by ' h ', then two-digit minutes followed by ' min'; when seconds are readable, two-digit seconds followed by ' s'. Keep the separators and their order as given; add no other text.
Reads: 11 h 17 min
